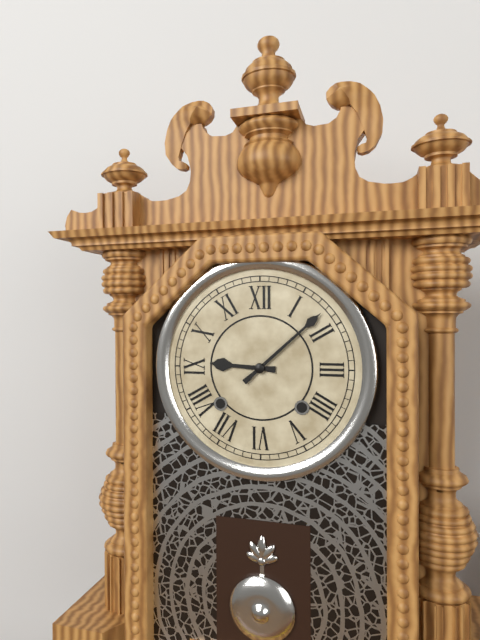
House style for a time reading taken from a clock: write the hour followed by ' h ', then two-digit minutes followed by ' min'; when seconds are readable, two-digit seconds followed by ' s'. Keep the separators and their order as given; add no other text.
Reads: 9 h 08 min
